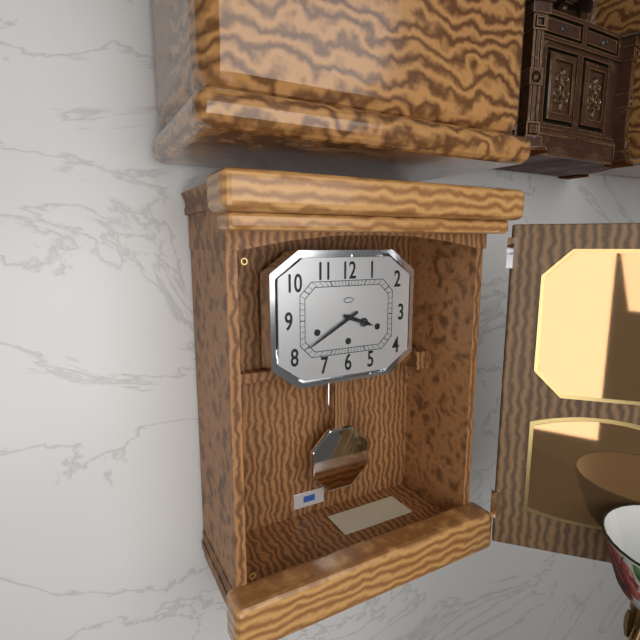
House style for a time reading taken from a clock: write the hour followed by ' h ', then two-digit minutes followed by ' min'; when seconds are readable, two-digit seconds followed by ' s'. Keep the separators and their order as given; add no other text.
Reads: 3 h 40 min
